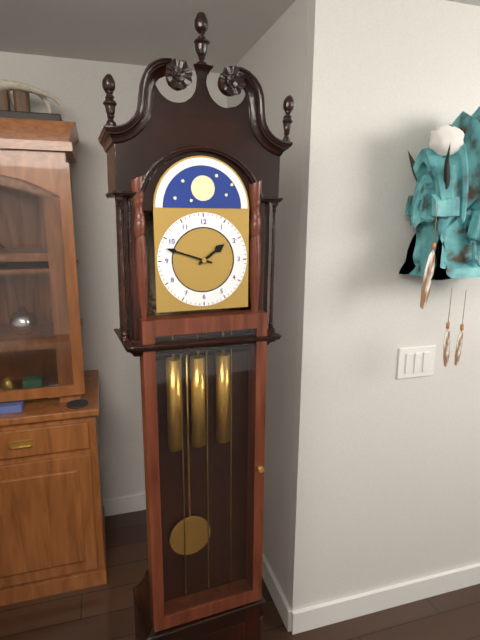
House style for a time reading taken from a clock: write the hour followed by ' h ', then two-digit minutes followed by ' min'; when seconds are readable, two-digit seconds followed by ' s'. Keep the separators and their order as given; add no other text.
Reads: 1 h 48 min
